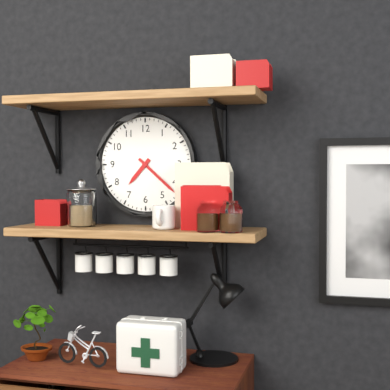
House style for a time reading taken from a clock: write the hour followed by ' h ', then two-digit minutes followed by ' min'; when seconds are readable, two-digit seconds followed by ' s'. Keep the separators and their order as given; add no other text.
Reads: 7 h 22 min
